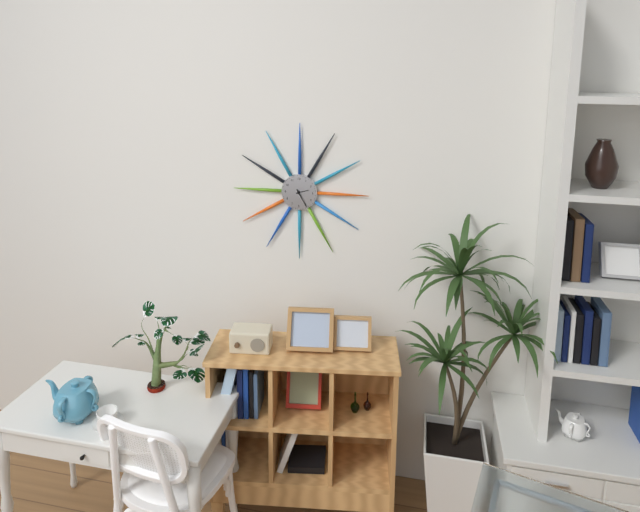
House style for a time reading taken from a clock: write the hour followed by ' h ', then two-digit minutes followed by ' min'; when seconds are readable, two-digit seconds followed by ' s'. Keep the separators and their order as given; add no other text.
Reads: 2 h 25 min
